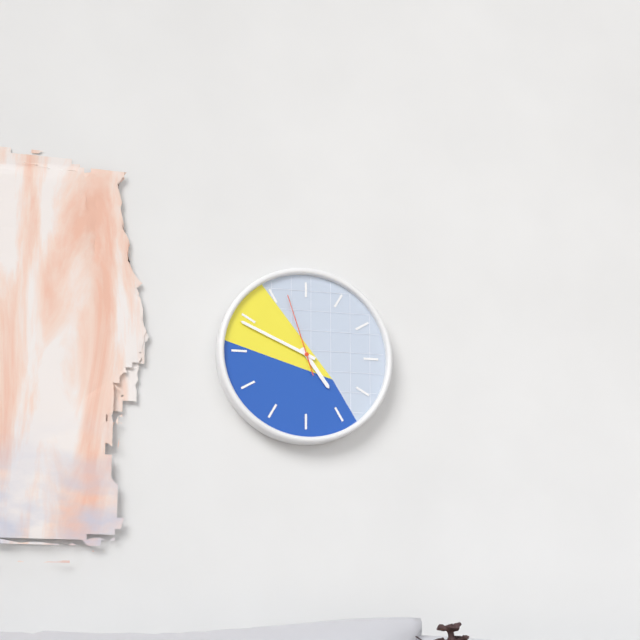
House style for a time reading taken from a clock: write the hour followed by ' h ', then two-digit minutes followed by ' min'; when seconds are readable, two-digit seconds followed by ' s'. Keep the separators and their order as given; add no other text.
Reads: 4 h 49 min 57 s
